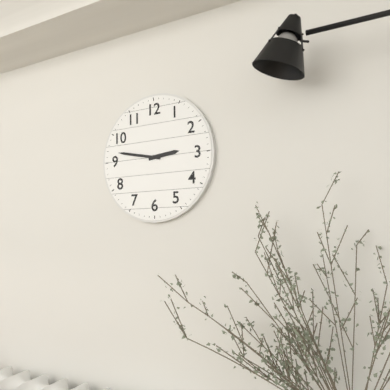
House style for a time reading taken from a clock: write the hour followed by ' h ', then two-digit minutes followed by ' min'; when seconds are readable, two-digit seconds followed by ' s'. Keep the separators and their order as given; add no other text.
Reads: 2 h 47 min
